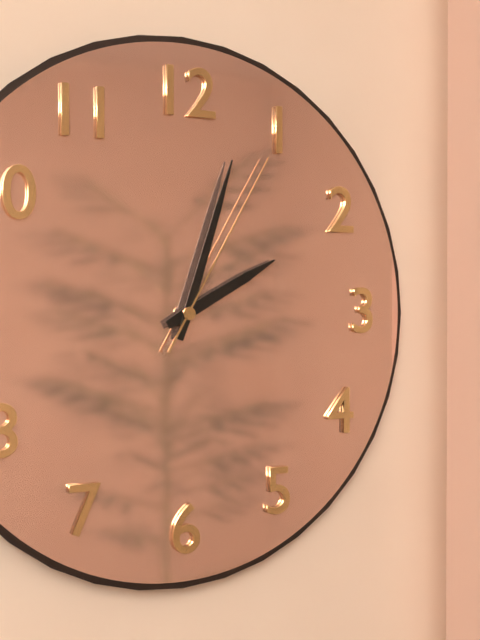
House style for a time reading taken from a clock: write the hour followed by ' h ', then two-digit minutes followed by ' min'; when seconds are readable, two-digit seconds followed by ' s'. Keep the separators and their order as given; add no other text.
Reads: 2 h 03 min 05 s
